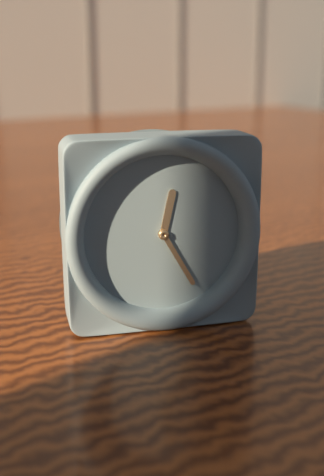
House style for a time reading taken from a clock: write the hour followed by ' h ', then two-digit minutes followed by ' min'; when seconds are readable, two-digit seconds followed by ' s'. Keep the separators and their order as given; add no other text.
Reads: 12 h 25 min
